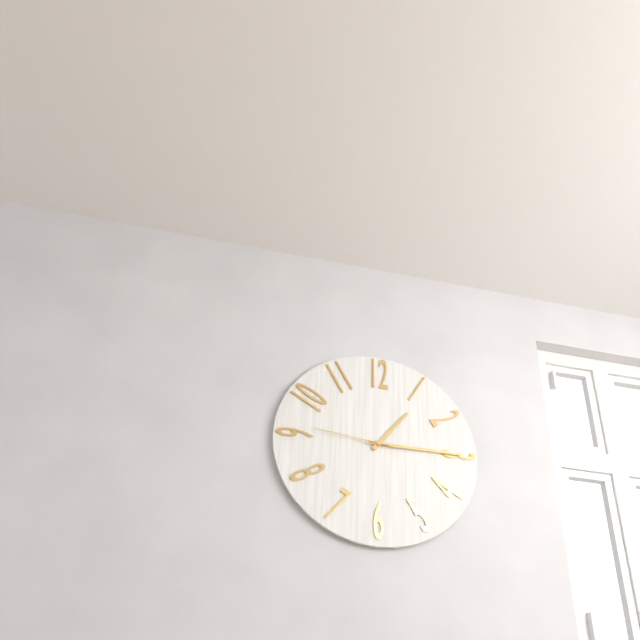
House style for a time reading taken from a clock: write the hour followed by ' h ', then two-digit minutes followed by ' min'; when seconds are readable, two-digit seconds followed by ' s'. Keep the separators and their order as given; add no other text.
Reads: 1 h 15 min 46 s
